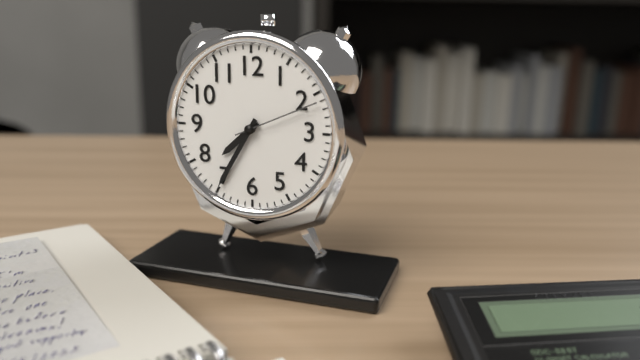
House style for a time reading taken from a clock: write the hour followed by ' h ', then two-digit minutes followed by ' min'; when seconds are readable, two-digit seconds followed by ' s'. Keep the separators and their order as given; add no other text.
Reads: 7 h 35 min 11 s
